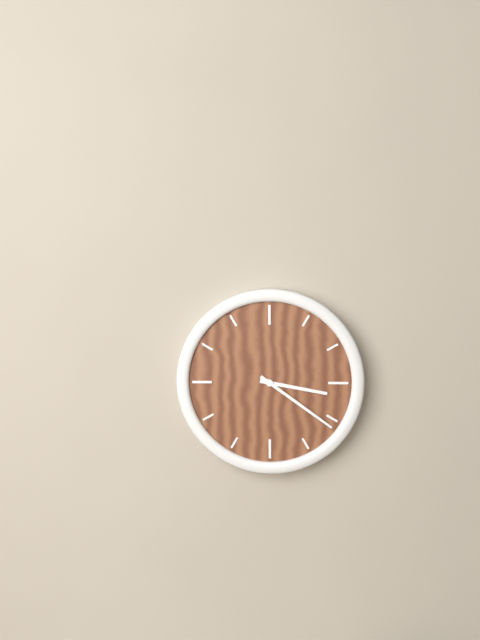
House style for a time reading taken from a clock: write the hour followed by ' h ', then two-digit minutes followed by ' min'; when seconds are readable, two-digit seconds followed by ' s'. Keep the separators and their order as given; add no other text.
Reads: 3 h 21 min
